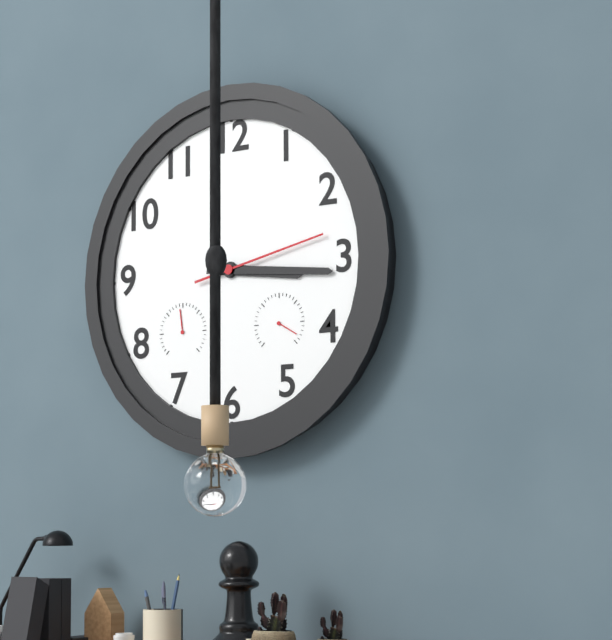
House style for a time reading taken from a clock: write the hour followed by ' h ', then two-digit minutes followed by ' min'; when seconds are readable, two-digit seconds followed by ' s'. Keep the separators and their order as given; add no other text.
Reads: 3 h 16 min 13 s
